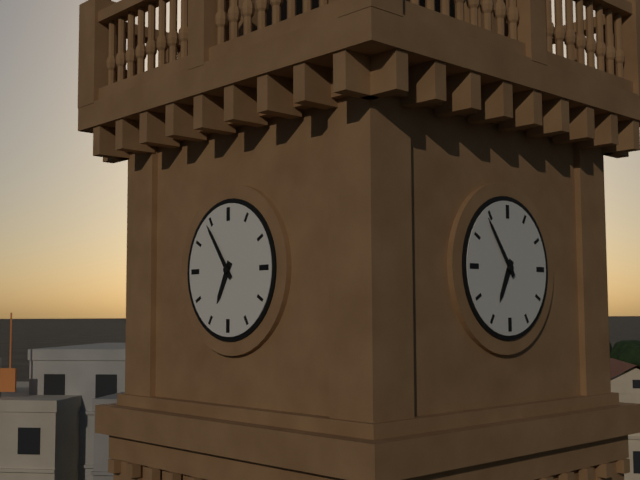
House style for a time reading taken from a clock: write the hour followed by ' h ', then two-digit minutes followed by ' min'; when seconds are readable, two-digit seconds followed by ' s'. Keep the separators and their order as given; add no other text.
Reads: 6 h 54 min
